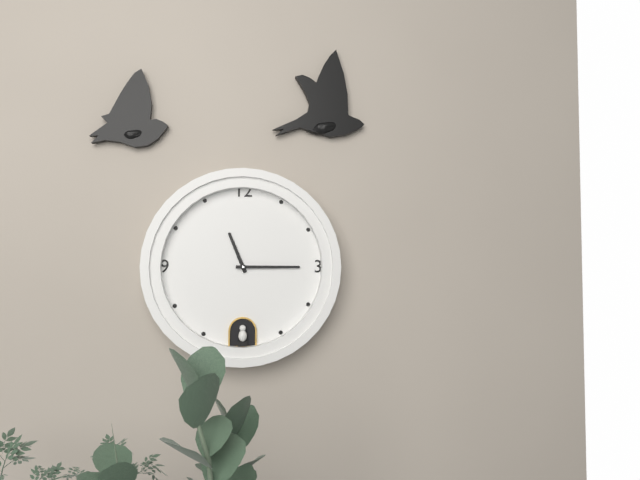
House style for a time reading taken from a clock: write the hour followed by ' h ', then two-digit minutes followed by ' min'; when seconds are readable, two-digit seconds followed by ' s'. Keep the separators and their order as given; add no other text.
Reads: 11 h 15 min
